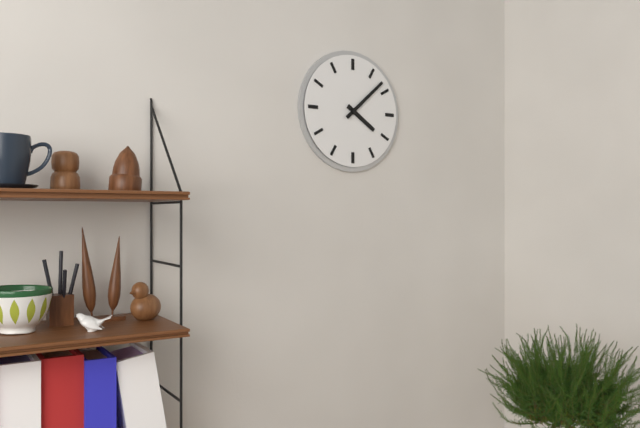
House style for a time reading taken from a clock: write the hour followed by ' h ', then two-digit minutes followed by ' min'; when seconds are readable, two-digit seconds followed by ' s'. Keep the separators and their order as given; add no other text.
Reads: 4 h 08 min
